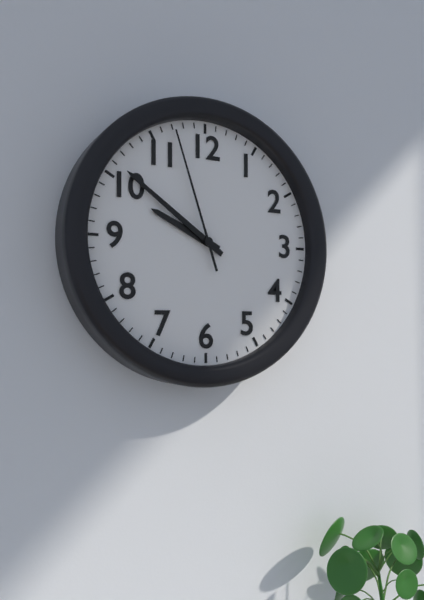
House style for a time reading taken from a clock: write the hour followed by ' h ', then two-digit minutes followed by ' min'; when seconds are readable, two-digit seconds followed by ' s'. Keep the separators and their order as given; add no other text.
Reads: 9 h 51 min 57 s
